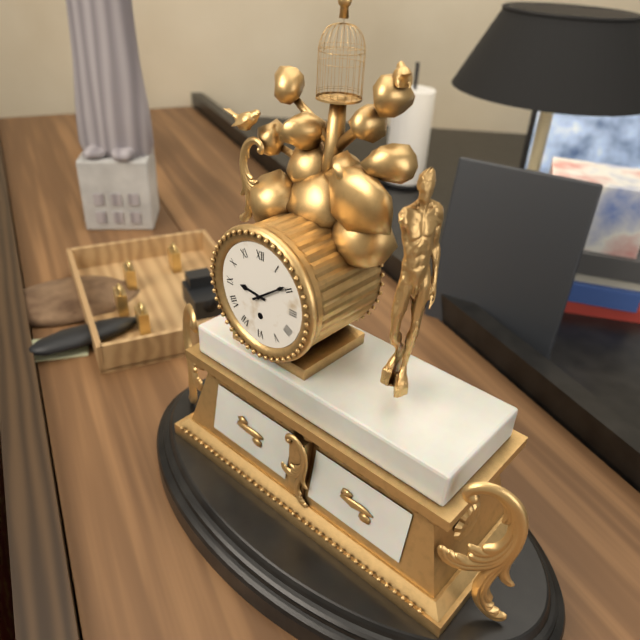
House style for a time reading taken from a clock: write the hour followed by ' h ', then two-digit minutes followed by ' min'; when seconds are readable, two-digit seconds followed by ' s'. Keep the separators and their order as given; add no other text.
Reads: 9 h 09 min
